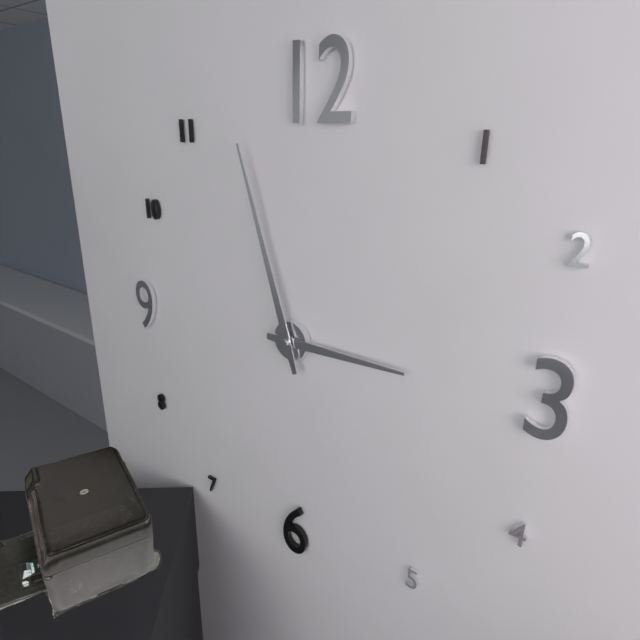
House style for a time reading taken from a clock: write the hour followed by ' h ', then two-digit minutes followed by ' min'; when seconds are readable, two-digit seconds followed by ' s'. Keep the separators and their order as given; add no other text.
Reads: 2 h 57 min
